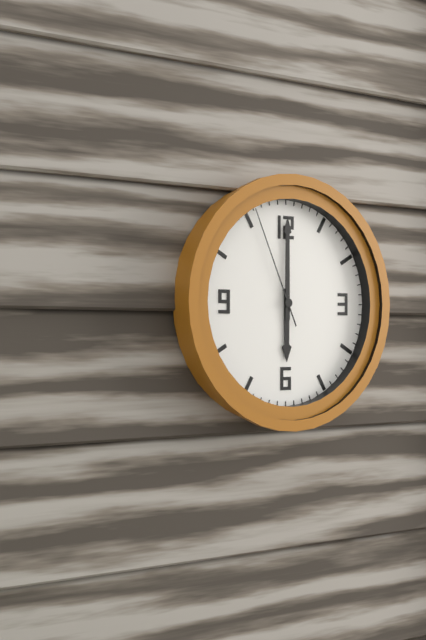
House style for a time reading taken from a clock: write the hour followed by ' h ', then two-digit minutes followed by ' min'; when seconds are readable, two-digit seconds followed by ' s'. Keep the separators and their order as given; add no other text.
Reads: 6 h 00 min 56 s
